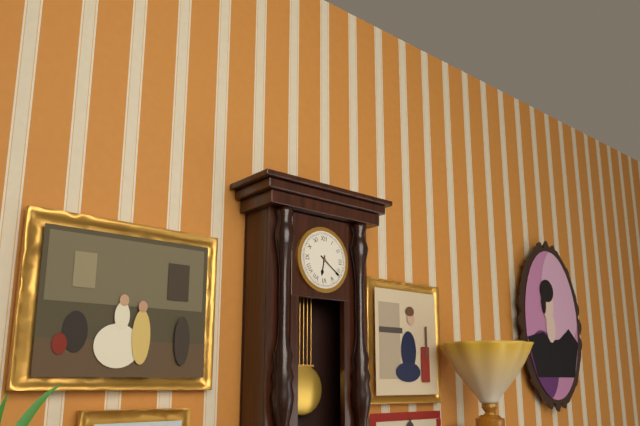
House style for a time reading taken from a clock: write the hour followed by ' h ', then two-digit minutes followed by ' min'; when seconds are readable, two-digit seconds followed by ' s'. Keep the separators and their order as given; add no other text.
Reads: 6 h 21 min
